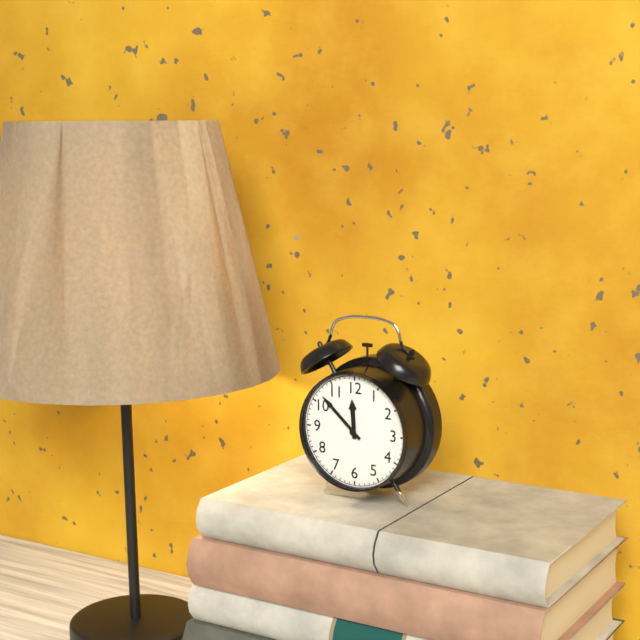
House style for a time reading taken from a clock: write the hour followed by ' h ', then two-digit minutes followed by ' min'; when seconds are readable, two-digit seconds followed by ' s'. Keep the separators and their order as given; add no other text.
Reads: 11 h 52 min
